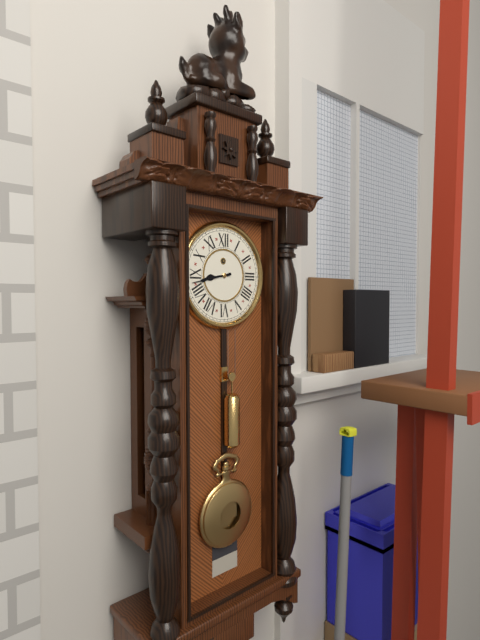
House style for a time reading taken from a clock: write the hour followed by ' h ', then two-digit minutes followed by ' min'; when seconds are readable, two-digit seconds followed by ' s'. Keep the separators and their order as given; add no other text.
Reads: 8 h 43 min
